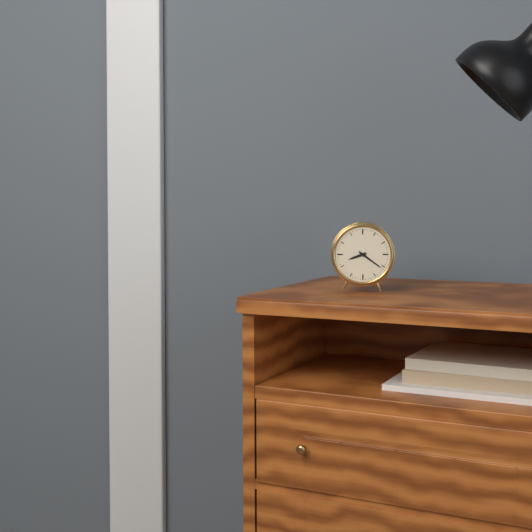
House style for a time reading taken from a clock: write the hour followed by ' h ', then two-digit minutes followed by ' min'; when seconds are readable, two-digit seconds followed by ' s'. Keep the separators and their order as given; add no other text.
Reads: 8 h 21 min
